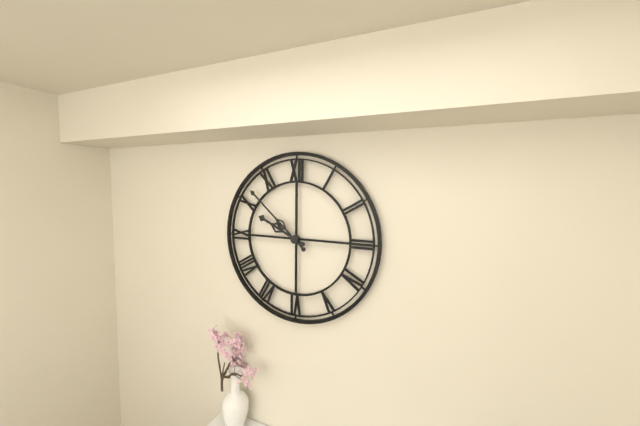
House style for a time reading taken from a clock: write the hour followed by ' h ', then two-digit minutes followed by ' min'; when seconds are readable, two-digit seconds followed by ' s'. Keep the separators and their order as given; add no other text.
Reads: 9 h 52 min
